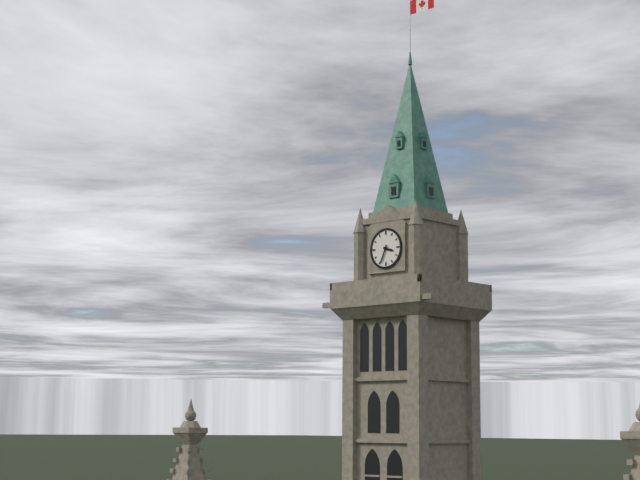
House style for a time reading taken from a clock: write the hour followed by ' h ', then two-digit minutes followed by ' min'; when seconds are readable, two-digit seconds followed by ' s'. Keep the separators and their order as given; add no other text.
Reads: 3 h 34 min
